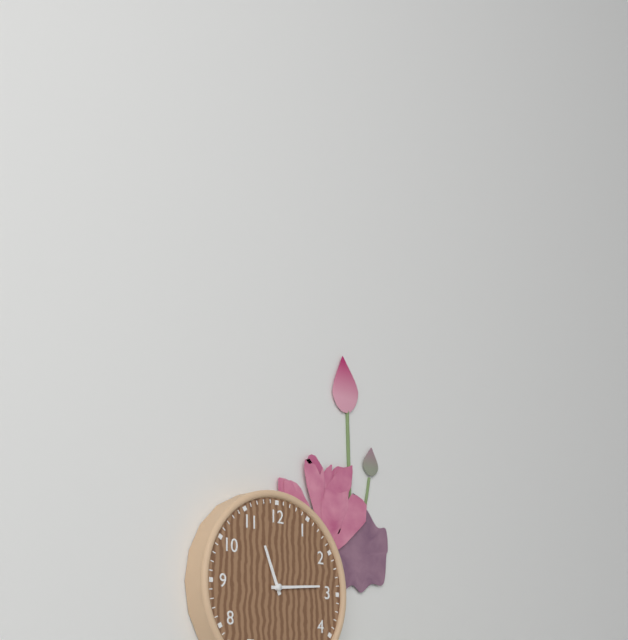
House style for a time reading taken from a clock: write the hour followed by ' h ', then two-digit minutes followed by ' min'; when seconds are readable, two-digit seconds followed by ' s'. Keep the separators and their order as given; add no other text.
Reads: 11 h 14 min
